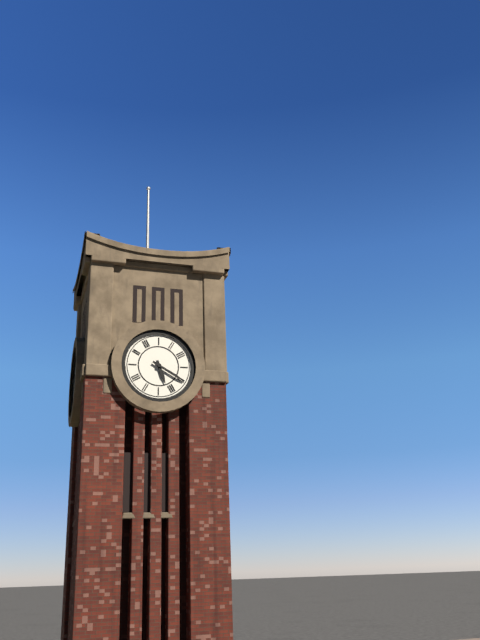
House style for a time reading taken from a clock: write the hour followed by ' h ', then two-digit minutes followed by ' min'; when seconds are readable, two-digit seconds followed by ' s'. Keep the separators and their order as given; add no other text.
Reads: 5 h 20 min
